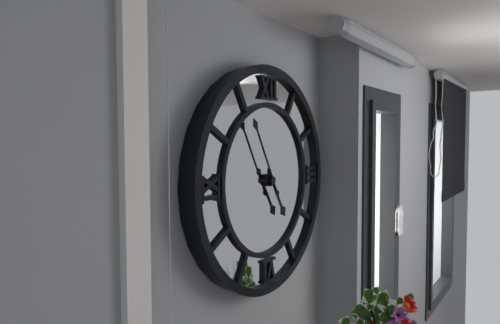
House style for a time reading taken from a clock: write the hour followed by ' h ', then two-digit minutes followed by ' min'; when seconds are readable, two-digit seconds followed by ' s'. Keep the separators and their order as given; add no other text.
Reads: 4 h 55 min
